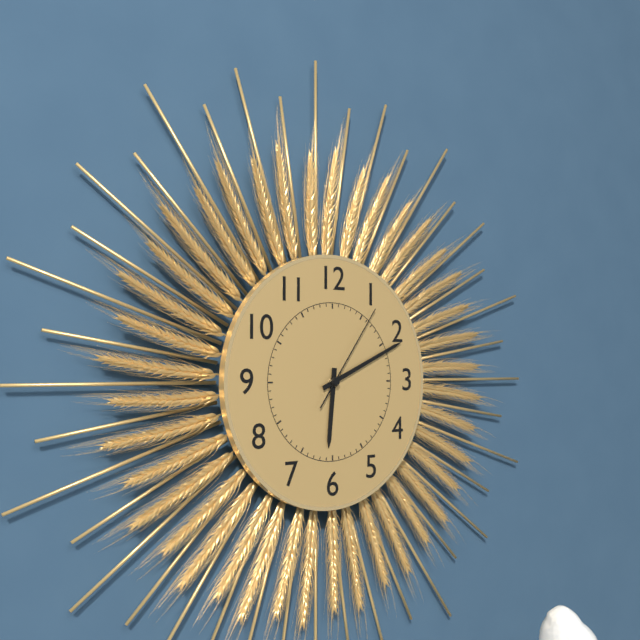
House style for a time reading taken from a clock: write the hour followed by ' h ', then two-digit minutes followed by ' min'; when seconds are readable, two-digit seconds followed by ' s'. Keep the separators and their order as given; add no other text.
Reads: 6 h 11 min 06 s
